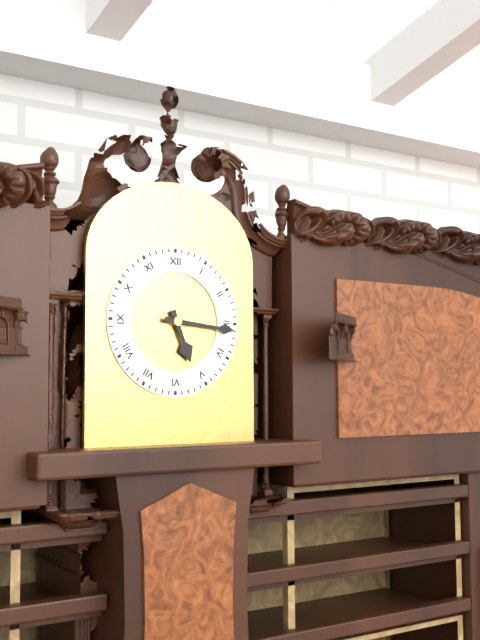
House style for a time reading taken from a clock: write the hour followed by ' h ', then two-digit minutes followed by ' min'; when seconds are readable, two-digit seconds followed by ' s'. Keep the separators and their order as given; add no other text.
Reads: 5 h 16 min
